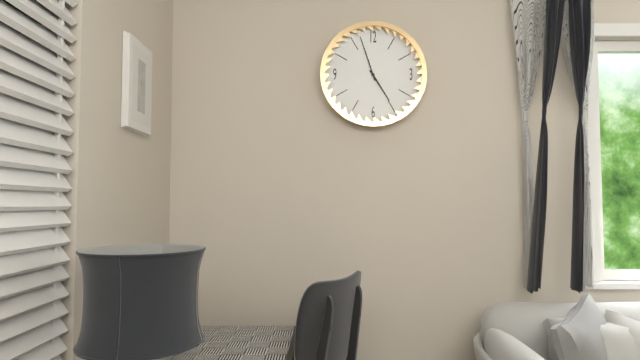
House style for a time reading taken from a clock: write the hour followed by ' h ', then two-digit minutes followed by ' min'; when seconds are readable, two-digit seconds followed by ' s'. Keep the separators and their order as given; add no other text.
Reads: 4 h 57 min
